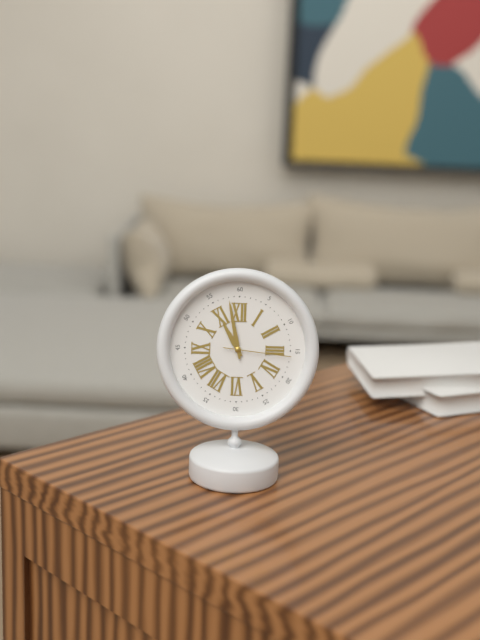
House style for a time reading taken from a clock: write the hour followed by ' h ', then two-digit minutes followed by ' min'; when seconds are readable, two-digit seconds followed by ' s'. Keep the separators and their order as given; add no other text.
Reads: 10 h 58 min 16 s
